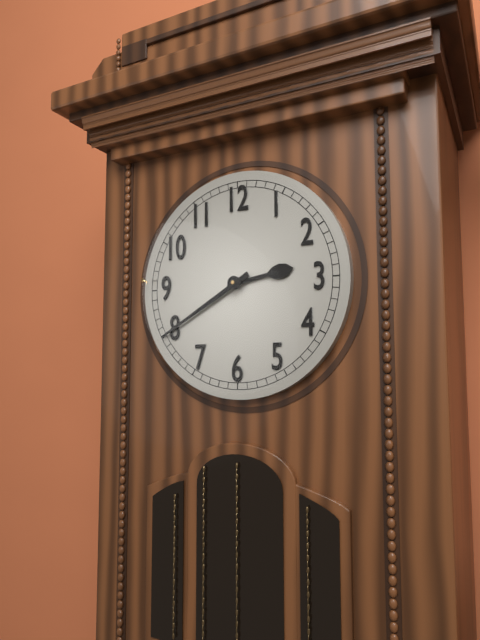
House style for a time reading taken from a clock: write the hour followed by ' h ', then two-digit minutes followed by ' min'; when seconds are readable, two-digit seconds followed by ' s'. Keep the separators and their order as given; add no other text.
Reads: 2 h 40 min
